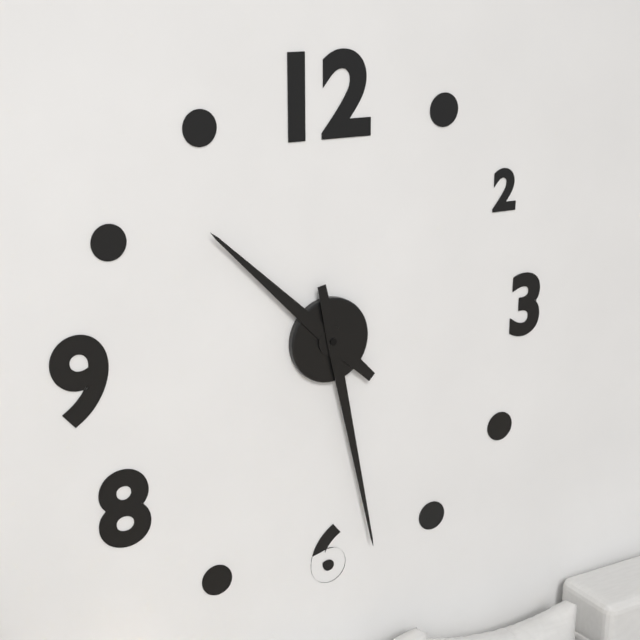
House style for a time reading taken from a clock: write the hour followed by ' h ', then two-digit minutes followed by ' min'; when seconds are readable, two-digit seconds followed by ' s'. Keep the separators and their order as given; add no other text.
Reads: 10 h 28 min
